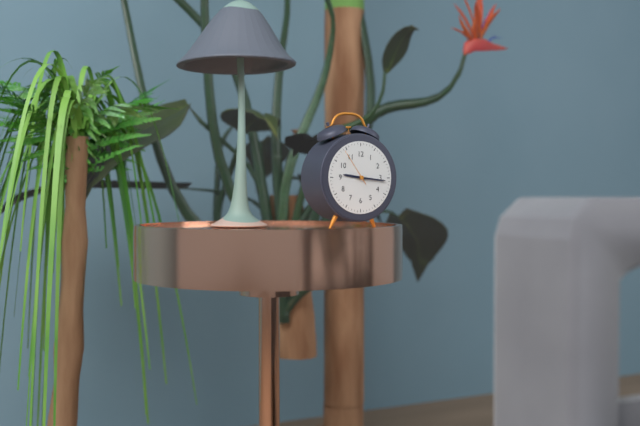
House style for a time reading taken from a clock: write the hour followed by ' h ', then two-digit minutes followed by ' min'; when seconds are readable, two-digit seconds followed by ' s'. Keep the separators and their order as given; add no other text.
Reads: 9 h 16 min
